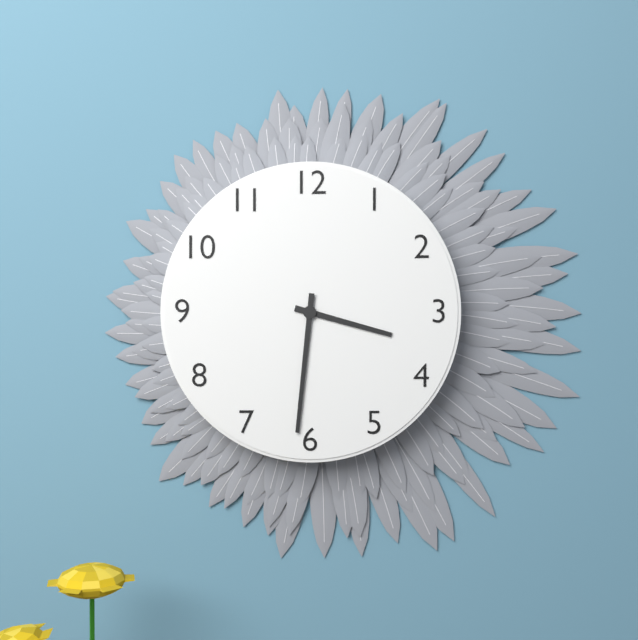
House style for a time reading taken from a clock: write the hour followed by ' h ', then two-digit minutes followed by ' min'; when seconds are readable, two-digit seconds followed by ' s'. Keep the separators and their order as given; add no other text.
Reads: 3 h 31 min
